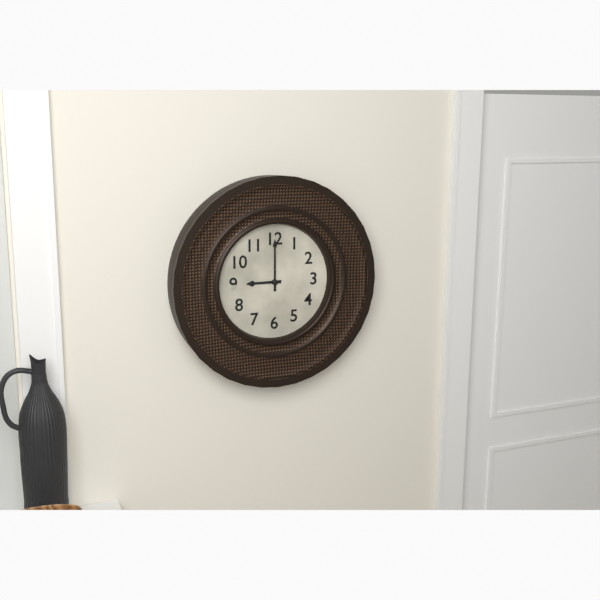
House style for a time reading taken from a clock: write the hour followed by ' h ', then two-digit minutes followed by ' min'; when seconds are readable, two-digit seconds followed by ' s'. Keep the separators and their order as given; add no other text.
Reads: 9 h 00 min
